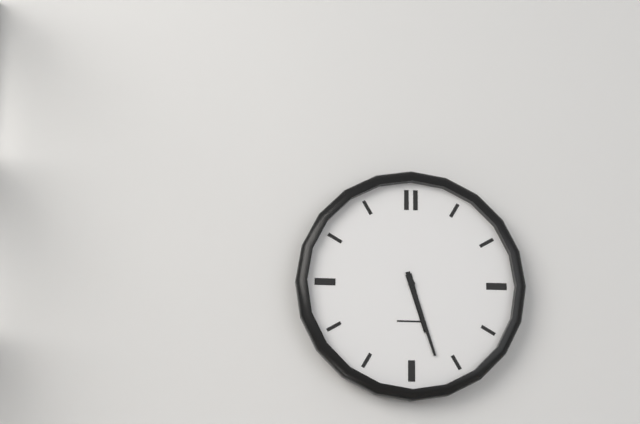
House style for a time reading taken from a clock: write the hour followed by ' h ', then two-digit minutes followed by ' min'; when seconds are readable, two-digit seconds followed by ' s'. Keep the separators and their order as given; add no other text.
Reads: 5 h 27 min
